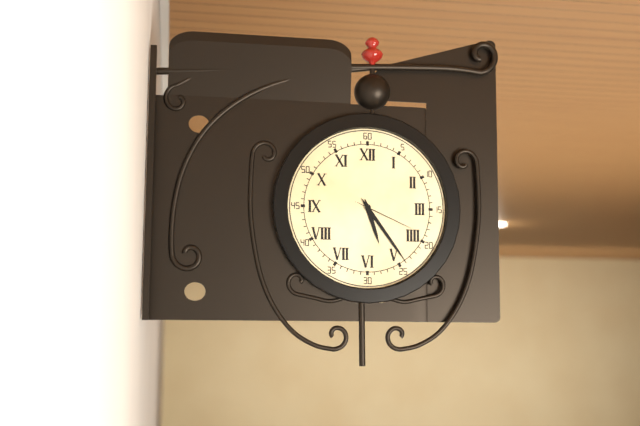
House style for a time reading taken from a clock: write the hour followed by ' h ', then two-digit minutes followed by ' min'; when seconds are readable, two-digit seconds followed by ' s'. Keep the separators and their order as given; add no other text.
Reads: 5 h 24 min 19 s
